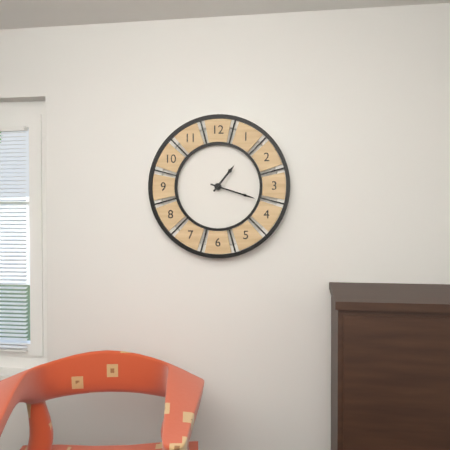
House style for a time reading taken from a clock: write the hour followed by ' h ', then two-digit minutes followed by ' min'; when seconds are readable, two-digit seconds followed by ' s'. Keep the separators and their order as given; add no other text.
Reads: 1 h 18 min
